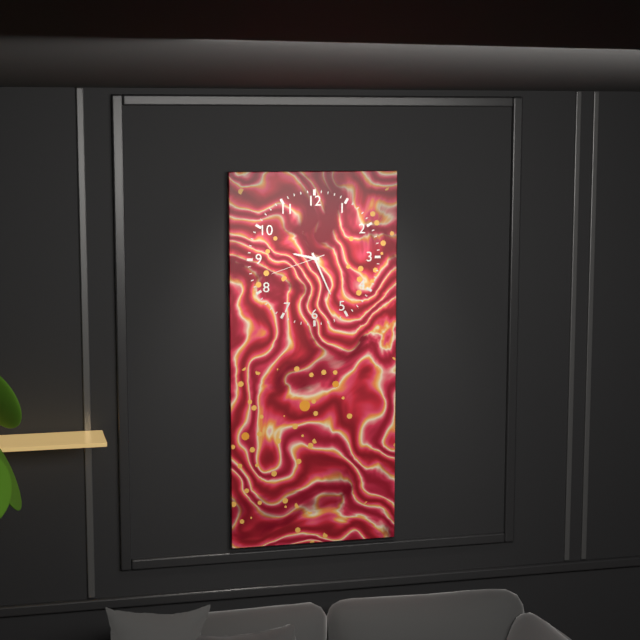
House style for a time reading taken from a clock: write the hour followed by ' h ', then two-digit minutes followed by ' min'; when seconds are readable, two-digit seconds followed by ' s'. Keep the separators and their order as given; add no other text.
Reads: 9 h 26 min 42 s
